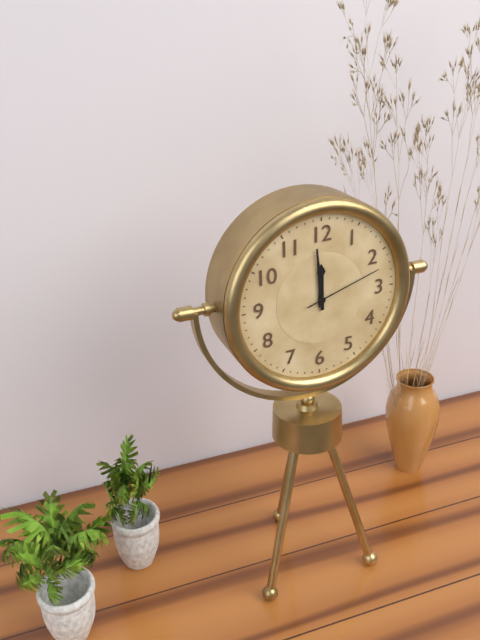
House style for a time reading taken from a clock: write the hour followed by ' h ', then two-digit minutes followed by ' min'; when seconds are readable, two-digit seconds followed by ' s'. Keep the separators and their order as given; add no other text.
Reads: 11 h 59 min 12 s
